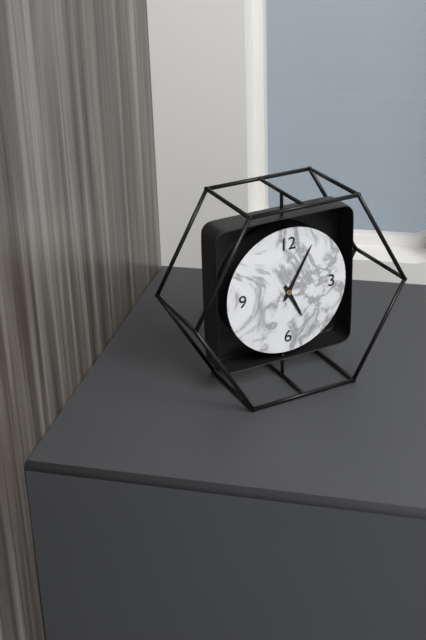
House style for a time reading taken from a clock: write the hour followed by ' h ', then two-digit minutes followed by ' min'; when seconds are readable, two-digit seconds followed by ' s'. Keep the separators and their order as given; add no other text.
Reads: 5 h 05 min
